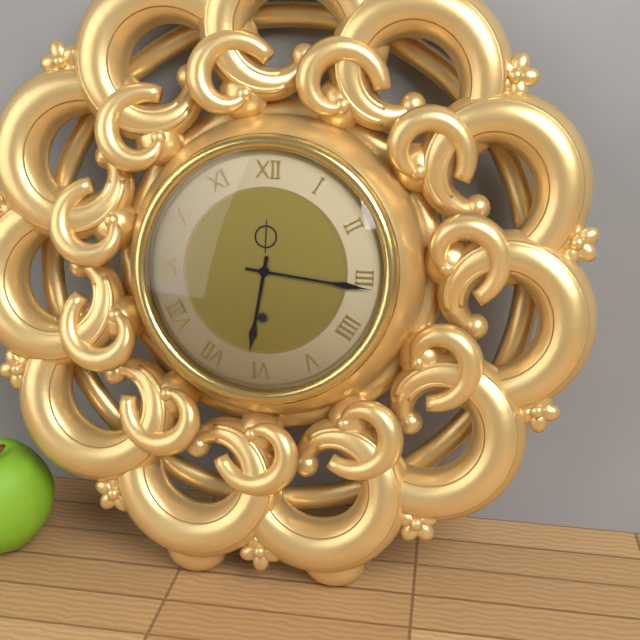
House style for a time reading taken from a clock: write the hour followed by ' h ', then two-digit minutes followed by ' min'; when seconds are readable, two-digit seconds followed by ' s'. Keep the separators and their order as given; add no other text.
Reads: 6 h 16 min
